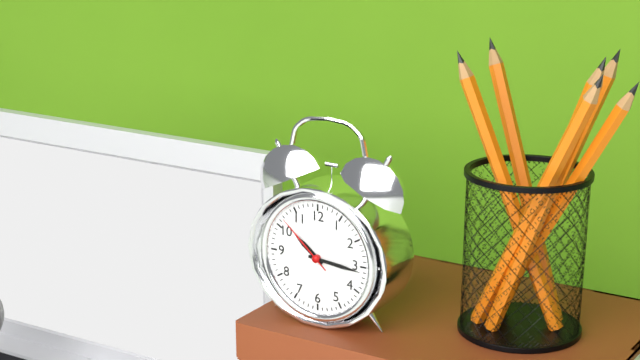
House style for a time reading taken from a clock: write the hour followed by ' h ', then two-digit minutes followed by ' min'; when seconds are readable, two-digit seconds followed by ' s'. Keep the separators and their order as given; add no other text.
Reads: 10 h 16 min 52 s
